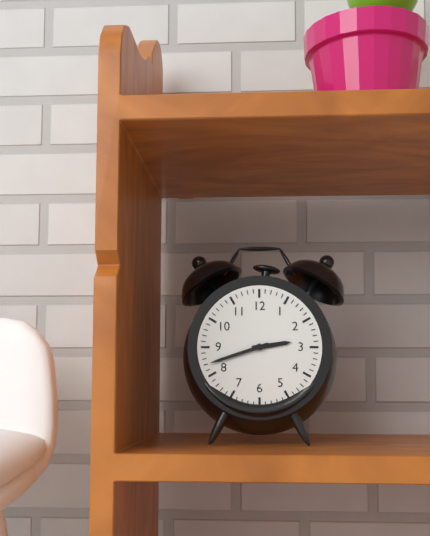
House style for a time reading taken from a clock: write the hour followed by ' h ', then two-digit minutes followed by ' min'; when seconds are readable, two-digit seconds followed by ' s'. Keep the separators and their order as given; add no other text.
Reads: 2 h 42 min
